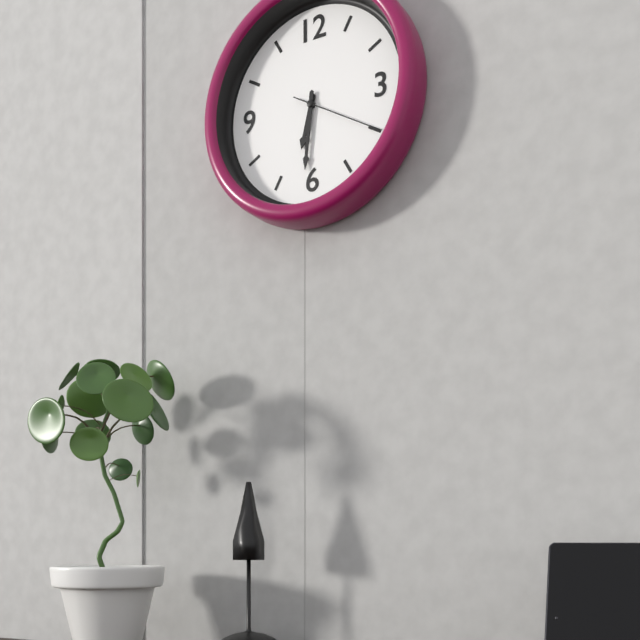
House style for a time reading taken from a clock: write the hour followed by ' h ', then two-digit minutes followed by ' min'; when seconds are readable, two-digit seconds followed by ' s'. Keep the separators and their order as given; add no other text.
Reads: 6 h 31 min 20 s
